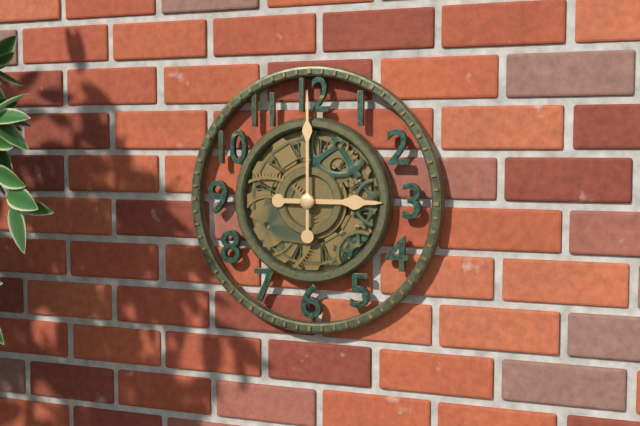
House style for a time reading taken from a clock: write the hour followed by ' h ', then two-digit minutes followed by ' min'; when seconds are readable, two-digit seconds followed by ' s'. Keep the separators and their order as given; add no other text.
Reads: 3 h 00 min
